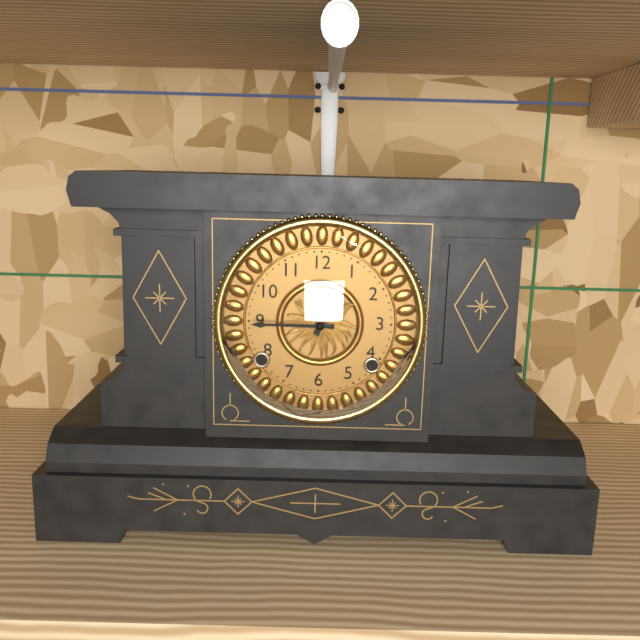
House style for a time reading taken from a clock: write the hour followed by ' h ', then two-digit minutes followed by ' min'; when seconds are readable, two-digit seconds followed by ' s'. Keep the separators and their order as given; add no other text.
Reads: 12 h 45 min
